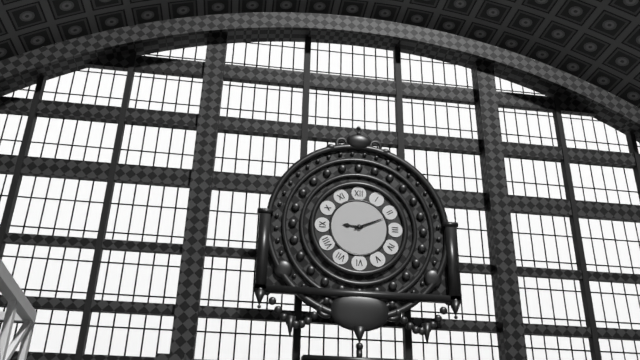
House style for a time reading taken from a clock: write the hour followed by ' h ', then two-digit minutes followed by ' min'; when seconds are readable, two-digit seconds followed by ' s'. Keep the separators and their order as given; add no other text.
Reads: 9 h 11 min
